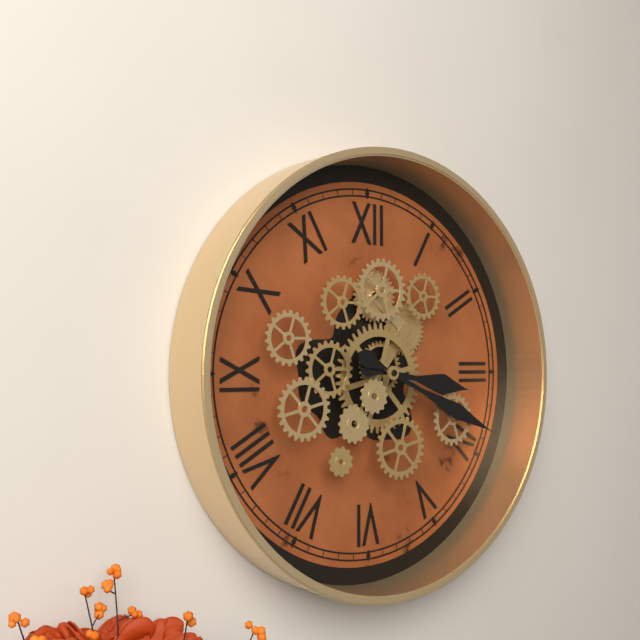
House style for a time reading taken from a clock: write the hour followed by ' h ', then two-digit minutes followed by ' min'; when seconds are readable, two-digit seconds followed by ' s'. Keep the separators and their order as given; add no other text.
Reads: 3 h 19 min
